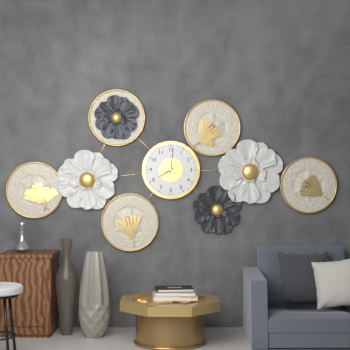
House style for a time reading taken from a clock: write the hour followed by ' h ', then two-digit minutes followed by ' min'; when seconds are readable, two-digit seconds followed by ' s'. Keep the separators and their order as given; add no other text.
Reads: 8 h 01 min
